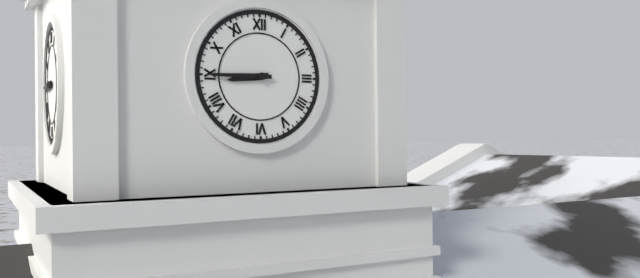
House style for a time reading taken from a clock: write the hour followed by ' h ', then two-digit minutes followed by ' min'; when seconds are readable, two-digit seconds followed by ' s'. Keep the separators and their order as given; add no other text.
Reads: 8 h 45 min
